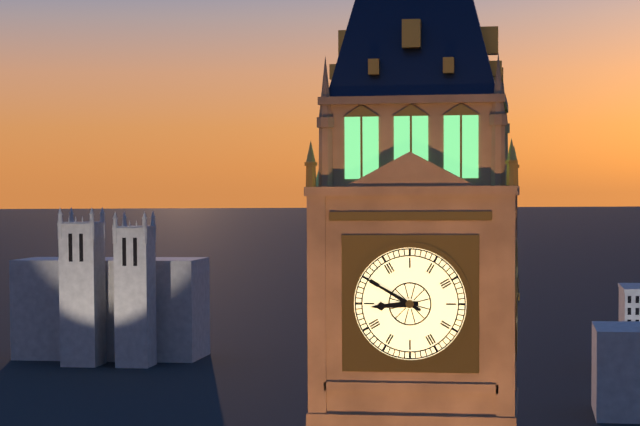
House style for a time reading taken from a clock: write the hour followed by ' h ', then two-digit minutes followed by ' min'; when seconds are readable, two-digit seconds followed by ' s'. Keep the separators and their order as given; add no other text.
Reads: 8 h 50 min
